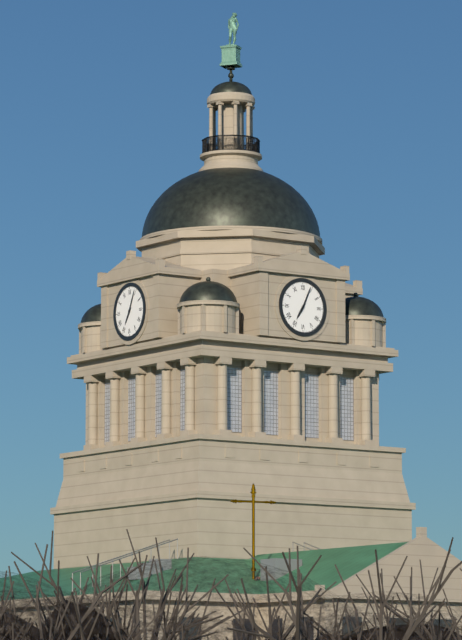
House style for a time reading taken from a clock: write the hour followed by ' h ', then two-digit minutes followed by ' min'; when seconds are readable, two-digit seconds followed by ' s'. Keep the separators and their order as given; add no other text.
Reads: 7 h 04 min
